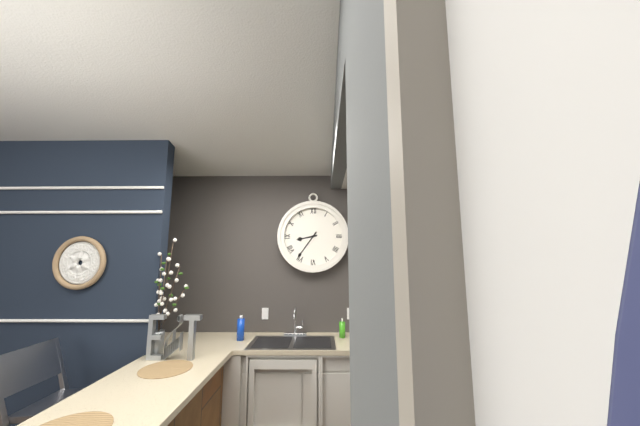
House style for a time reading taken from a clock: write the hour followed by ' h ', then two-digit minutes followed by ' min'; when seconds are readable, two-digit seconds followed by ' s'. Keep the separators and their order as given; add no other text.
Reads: 8 h 36 min
